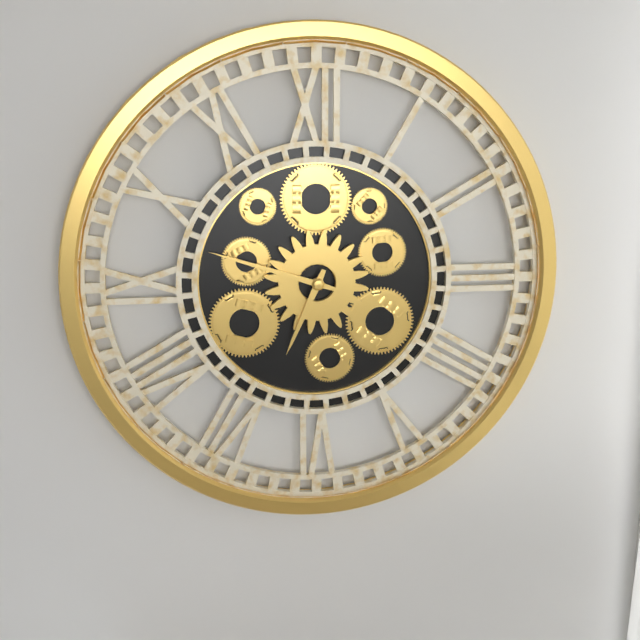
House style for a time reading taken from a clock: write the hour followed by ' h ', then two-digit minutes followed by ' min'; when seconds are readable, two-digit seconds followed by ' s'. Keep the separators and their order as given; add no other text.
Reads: 6 h 48 min
